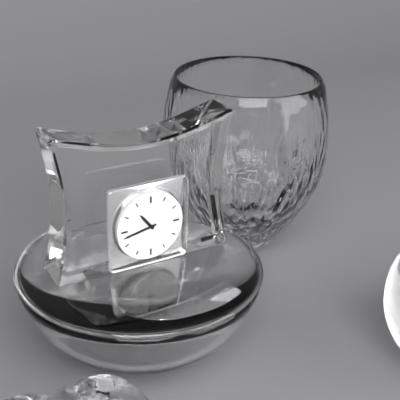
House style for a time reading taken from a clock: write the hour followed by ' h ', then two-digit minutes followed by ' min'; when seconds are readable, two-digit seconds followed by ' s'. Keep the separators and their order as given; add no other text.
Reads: 10 h 43 min
